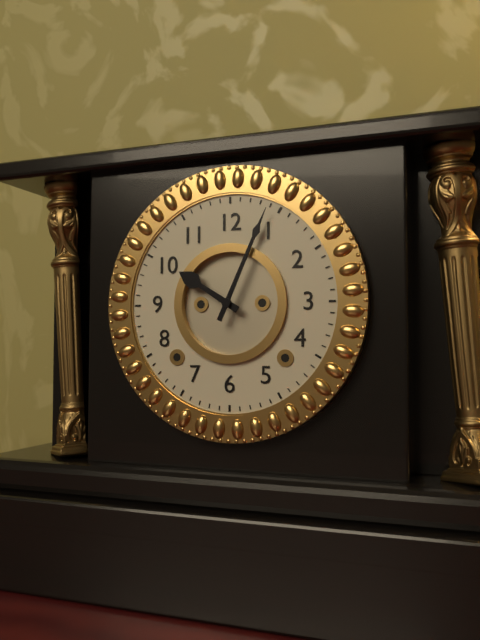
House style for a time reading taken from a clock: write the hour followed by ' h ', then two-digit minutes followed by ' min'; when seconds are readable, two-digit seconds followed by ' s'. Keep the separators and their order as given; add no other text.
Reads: 10 h 04 min
